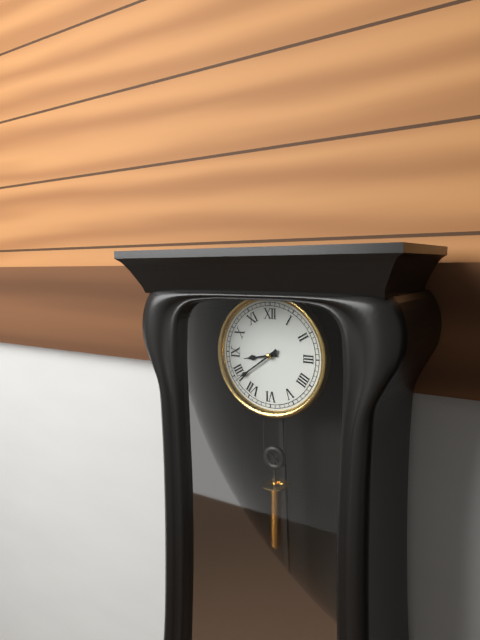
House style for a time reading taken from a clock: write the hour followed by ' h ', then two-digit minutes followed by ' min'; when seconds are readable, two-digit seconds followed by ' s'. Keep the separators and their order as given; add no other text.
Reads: 8 h 39 min
